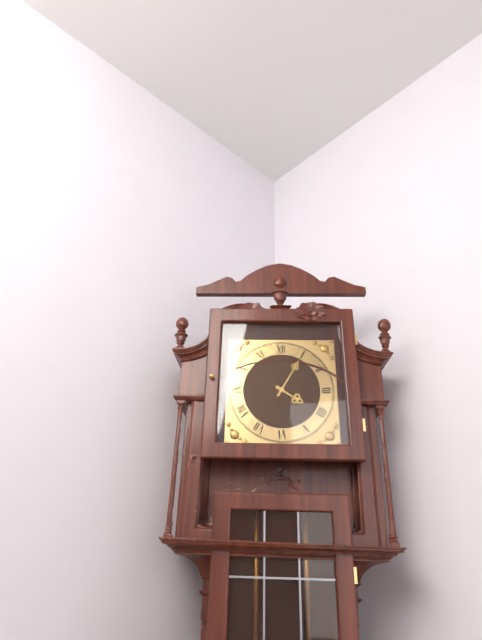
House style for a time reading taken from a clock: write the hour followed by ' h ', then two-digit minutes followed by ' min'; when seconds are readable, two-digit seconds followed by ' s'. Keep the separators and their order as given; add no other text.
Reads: 4 h 05 min
